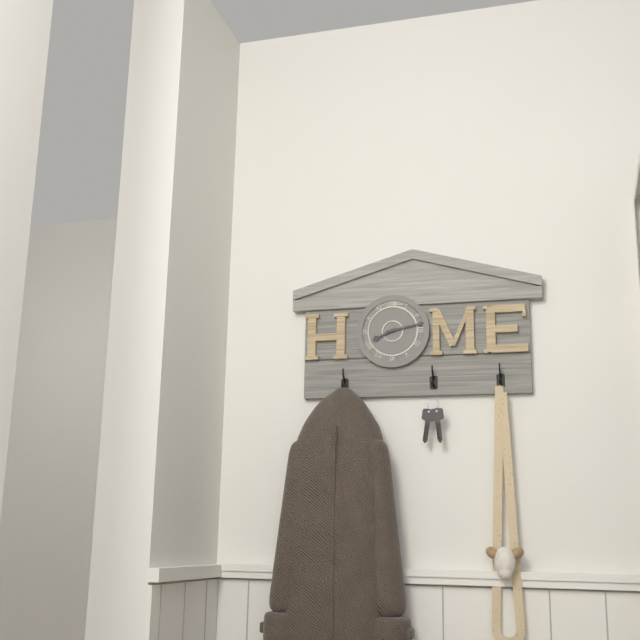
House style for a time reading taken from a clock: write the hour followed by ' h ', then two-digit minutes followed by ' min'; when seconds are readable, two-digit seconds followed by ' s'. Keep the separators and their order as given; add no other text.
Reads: 8 h 13 min
